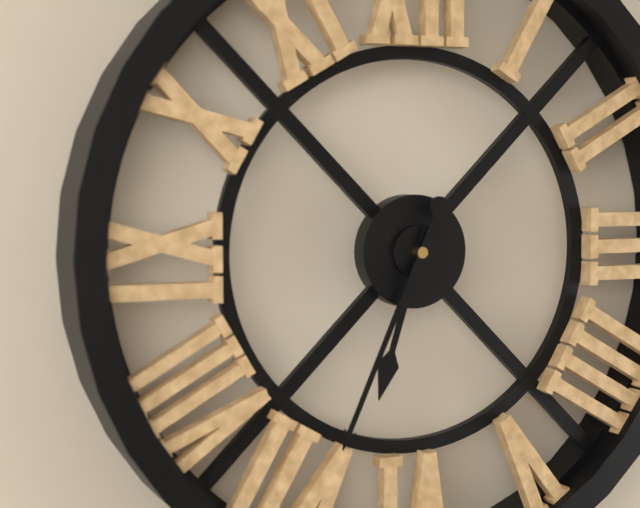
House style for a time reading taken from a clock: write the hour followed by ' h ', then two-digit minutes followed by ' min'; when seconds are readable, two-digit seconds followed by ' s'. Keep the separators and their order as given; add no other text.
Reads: 6 h 34 min
